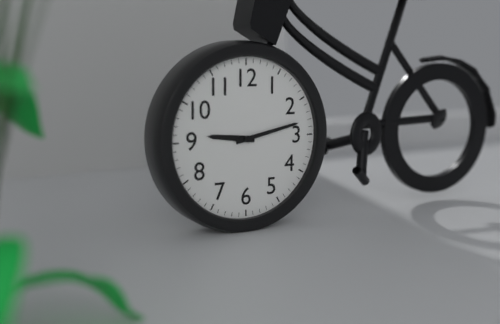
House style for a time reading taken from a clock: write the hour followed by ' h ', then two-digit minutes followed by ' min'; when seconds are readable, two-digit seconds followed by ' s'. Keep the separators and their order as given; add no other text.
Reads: 9 h 13 min
